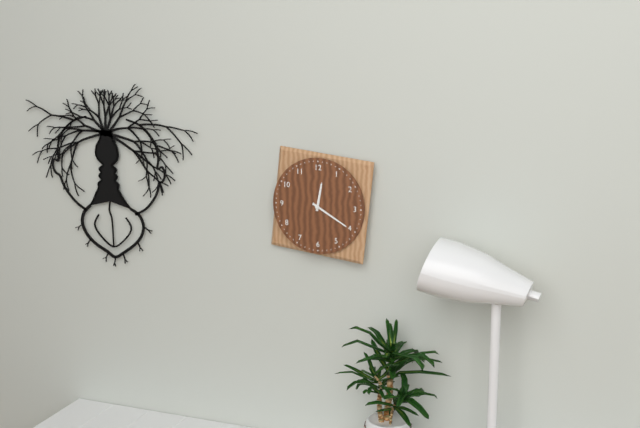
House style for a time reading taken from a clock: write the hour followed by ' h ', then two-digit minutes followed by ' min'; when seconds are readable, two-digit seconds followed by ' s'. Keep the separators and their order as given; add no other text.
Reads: 12 h 20 min
